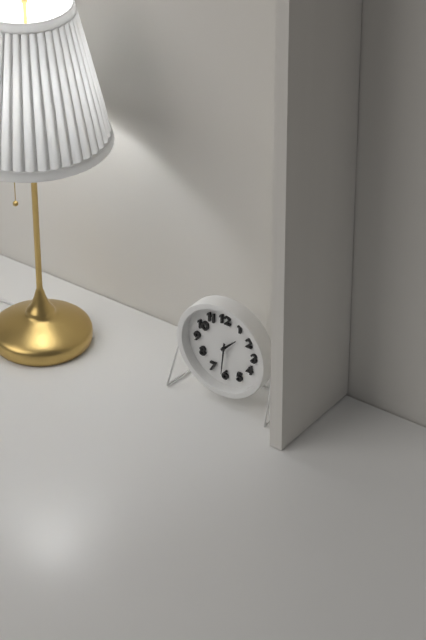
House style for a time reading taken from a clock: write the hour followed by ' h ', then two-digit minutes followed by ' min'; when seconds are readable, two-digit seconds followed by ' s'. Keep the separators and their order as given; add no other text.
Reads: 1 h 31 min
